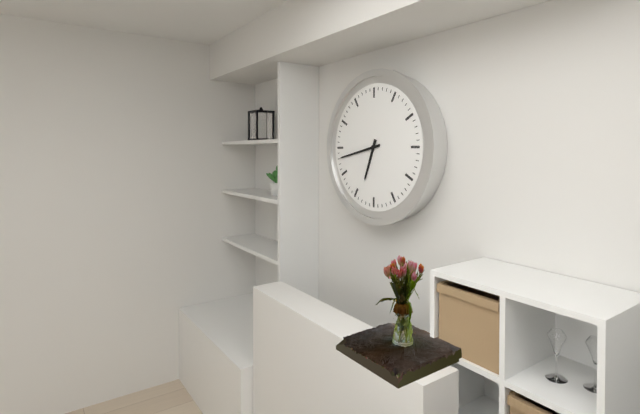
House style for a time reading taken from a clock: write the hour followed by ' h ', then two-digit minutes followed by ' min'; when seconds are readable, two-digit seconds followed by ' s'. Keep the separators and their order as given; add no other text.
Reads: 6 h 43 min
